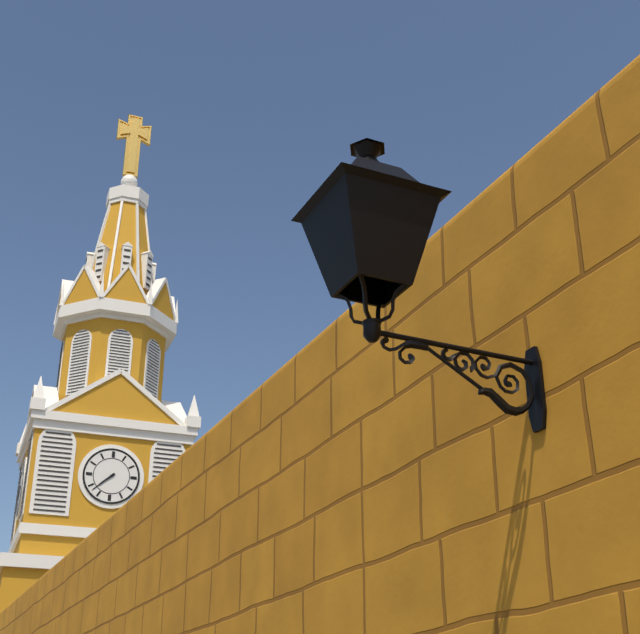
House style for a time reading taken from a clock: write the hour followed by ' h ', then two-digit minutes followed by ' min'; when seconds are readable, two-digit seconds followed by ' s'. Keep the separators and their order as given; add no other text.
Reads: 7 h 38 min
